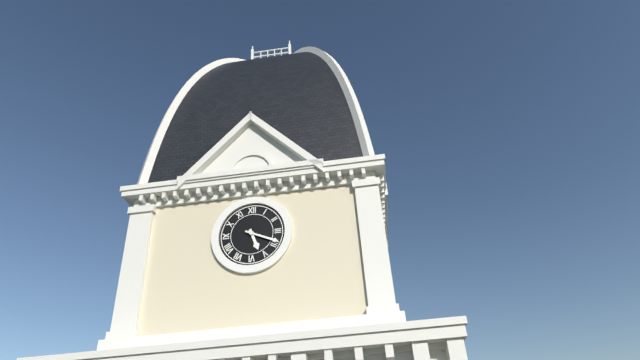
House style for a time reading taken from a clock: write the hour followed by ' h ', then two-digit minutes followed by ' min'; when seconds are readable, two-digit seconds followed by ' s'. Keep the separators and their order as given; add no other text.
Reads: 5 h 19 min
